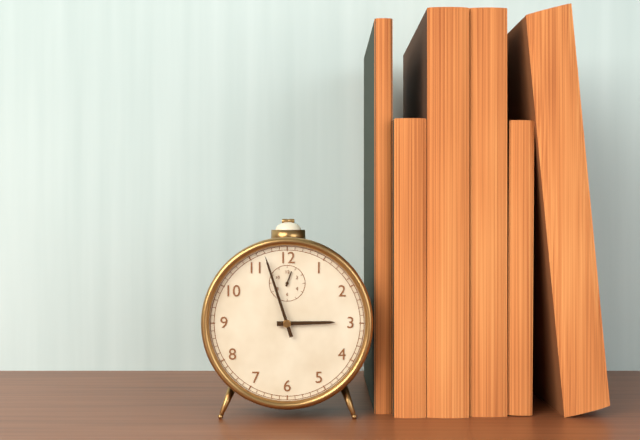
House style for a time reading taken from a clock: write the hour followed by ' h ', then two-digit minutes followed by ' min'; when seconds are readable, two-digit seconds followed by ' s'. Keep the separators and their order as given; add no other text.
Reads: 2 h 57 min
